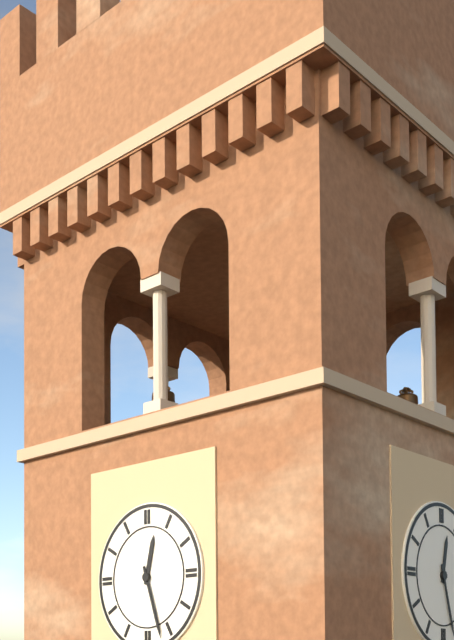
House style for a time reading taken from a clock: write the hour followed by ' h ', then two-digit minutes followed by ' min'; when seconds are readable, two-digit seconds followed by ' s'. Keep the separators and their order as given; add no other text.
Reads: 12 h 27 min
